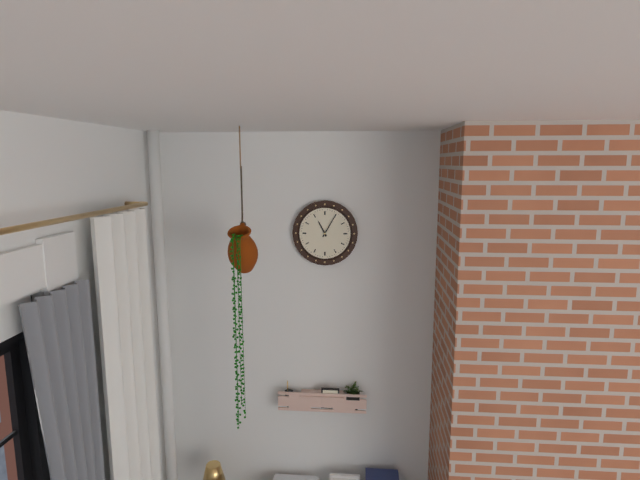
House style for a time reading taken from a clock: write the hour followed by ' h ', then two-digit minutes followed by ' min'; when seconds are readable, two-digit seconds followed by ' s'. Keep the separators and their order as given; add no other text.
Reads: 11 h 05 min
